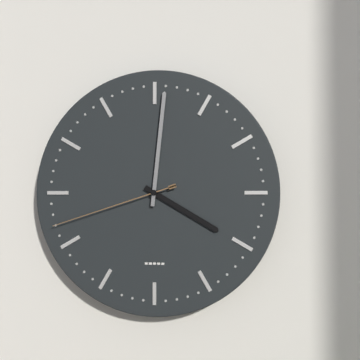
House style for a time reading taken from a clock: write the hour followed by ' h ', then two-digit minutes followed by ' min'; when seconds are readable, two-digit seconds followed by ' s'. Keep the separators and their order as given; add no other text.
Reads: 4 h 01 min 42 s
